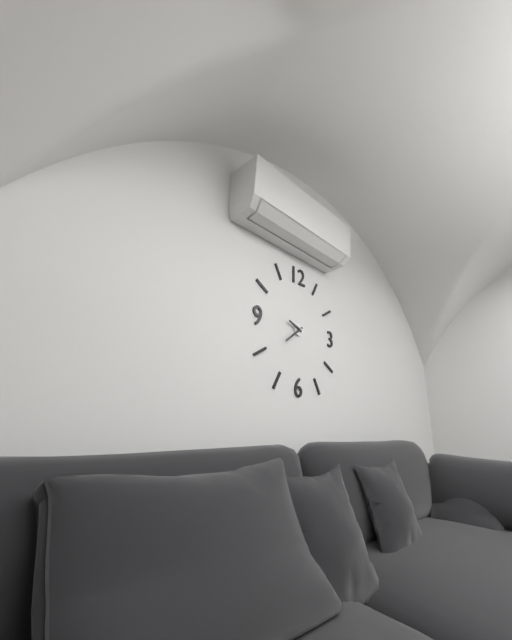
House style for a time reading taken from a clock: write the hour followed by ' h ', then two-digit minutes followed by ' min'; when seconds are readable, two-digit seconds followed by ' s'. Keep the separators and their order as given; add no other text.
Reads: 9 h 39 min
